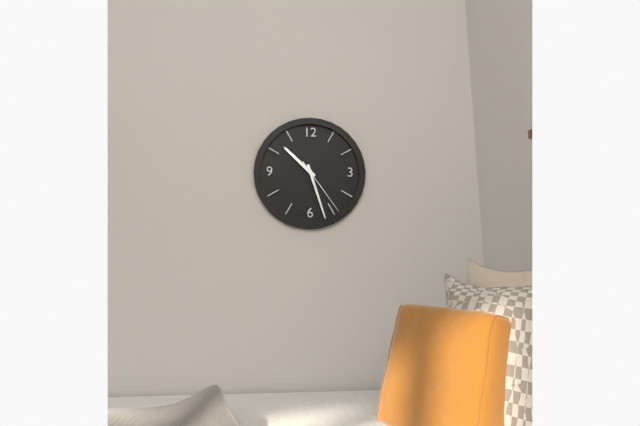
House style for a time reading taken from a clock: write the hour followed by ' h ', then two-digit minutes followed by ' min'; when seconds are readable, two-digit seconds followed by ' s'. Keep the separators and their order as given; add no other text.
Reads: 10 h 27 min 24 s
